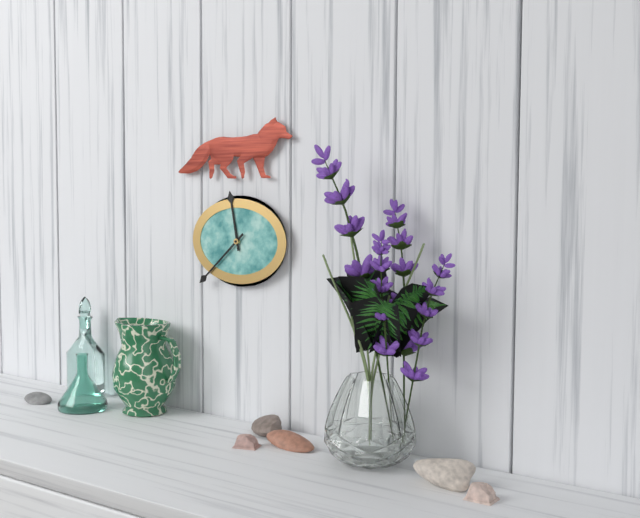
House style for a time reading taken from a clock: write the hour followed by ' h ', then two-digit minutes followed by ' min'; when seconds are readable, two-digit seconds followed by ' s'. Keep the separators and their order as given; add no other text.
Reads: 11 h 38 min
